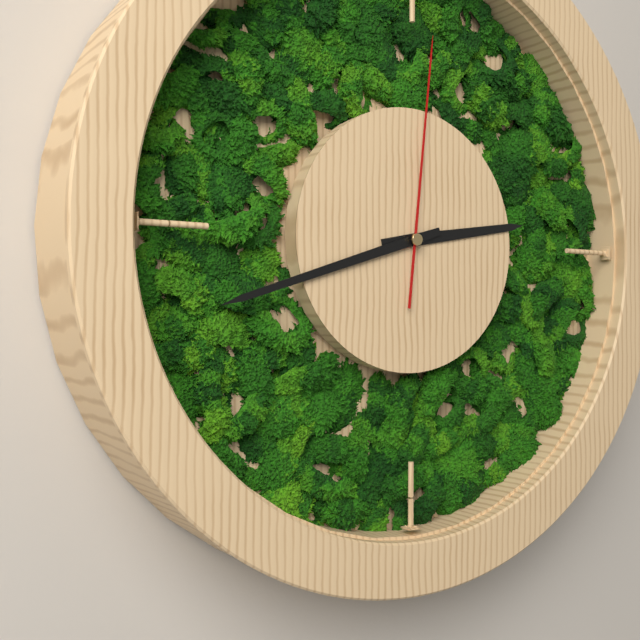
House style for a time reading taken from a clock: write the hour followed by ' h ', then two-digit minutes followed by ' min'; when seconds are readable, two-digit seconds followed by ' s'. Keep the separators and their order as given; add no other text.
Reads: 2 h 42 min 01 s
